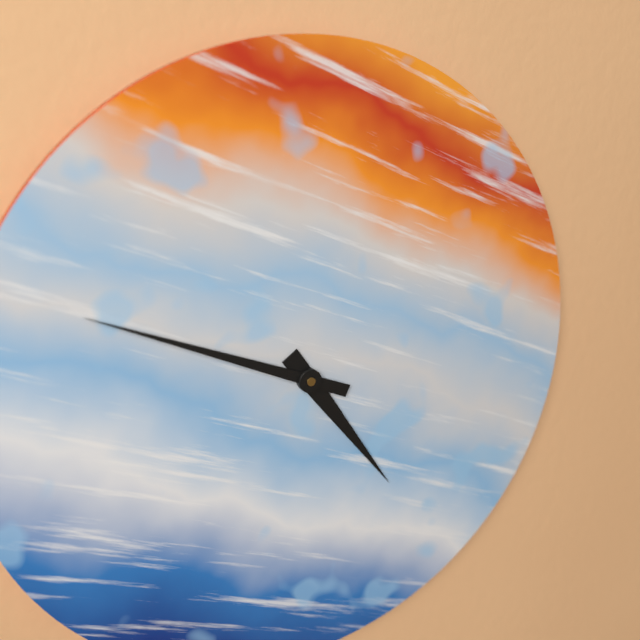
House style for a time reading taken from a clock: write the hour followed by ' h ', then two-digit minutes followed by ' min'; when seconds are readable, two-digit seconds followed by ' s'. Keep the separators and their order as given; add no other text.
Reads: 4 h 49 min
